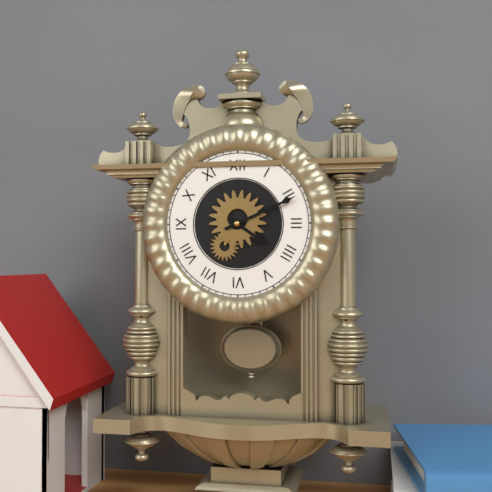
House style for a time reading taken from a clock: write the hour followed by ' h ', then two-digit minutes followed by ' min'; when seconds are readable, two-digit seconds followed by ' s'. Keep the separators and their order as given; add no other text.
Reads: 4 h 11 min
